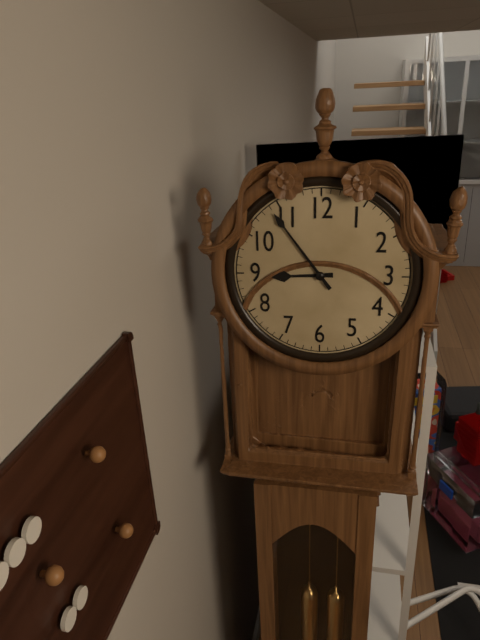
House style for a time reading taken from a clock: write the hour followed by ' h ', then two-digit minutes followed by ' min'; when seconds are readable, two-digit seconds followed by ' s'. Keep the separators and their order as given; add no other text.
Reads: 8 h 54 min
